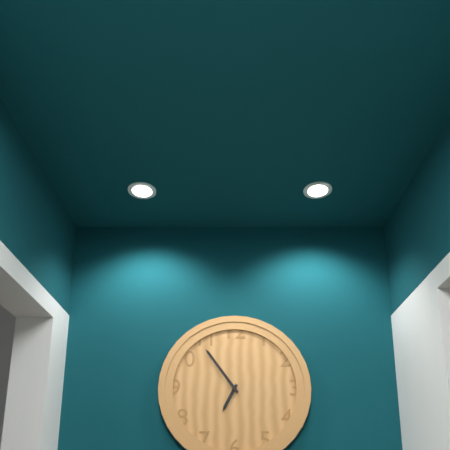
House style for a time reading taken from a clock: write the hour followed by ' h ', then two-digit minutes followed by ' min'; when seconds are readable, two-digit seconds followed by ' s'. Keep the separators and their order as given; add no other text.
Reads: 6 h 54 min
